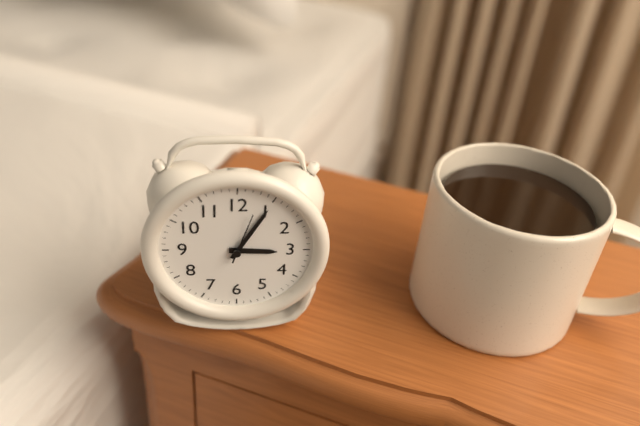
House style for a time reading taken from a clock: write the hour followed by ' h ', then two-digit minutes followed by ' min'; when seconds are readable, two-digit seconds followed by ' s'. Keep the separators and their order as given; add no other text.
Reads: 3 h 05 min
